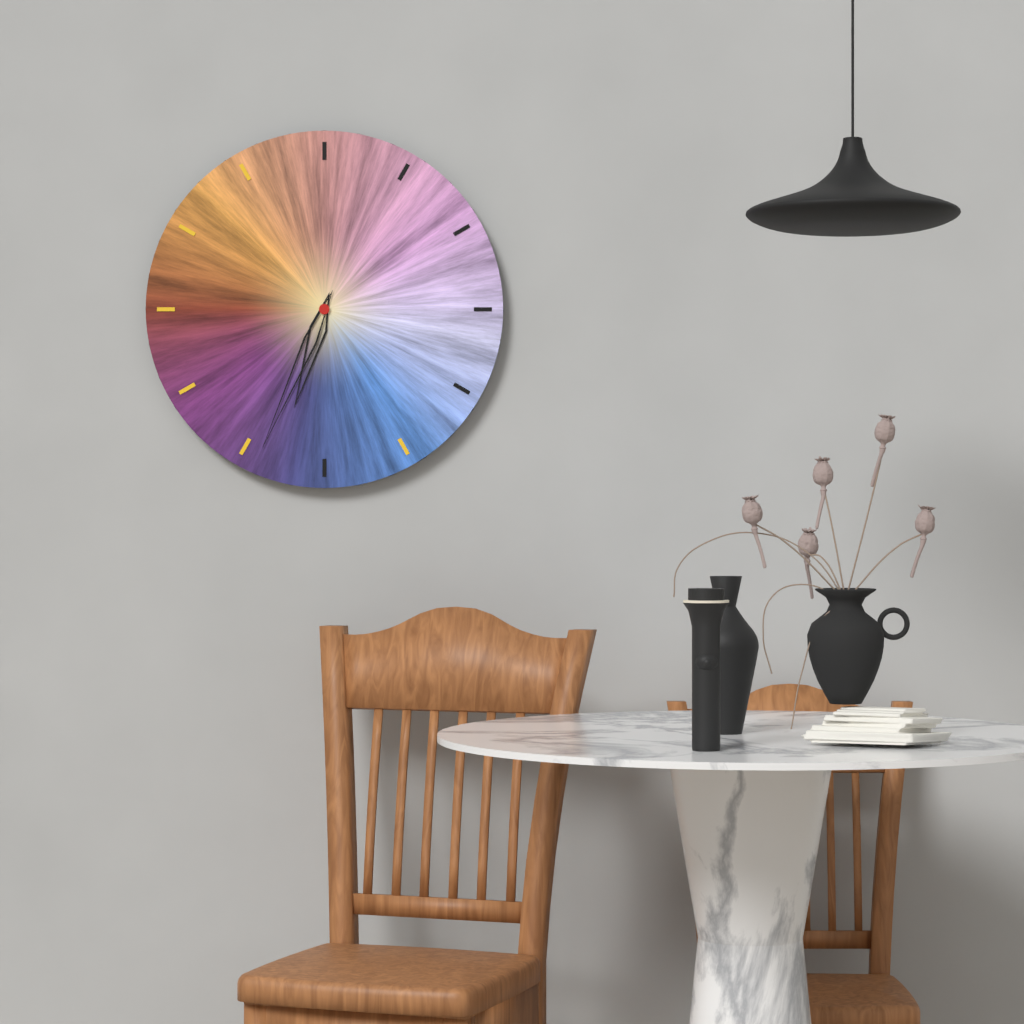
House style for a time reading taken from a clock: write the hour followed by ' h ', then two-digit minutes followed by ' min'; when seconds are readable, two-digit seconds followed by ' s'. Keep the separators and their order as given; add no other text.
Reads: 6 h 34 min
